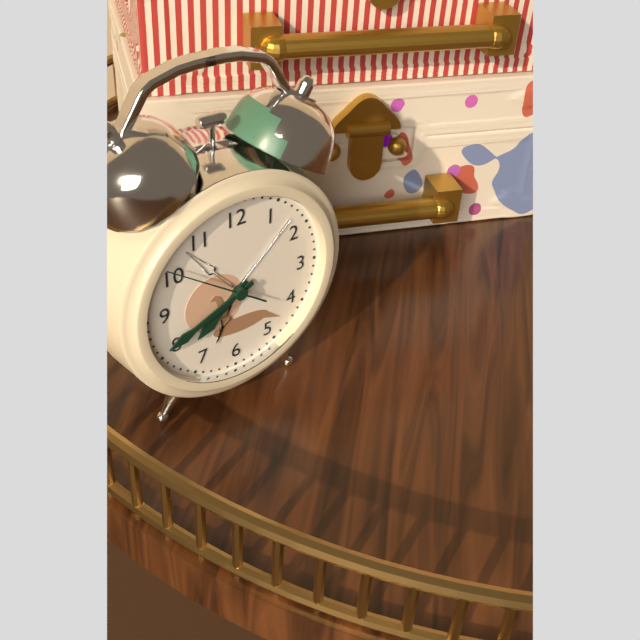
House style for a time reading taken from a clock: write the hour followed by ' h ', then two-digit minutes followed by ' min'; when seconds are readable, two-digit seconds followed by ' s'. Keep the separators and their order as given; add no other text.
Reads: 7 h 41 min 51 s
